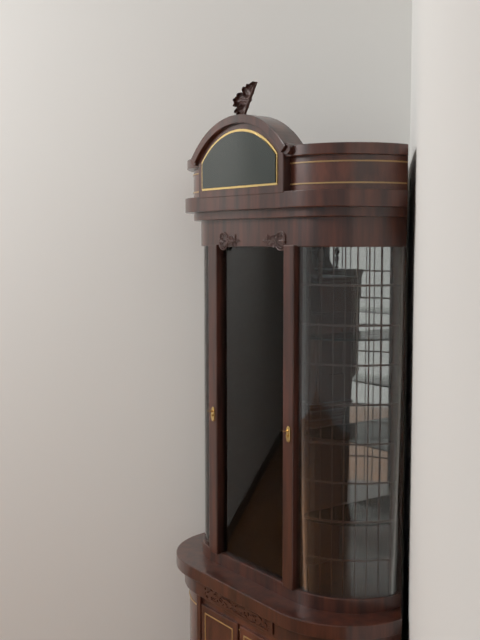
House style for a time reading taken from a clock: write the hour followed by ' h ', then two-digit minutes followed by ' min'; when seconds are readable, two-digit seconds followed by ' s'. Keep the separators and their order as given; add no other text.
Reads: 7 h 34 min
